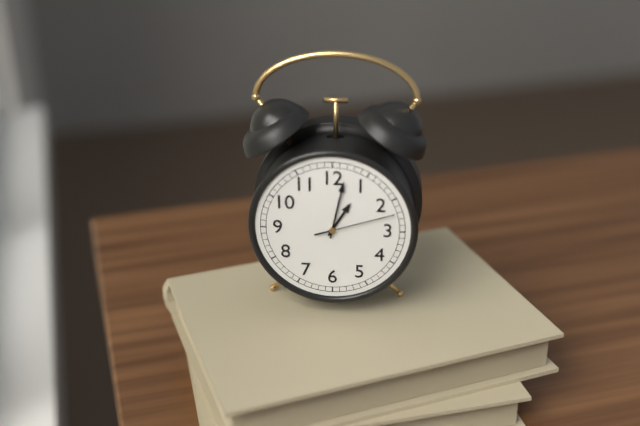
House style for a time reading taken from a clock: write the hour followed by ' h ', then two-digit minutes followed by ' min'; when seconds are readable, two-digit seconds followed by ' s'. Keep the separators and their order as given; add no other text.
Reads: 1 h 02 min 12 s
